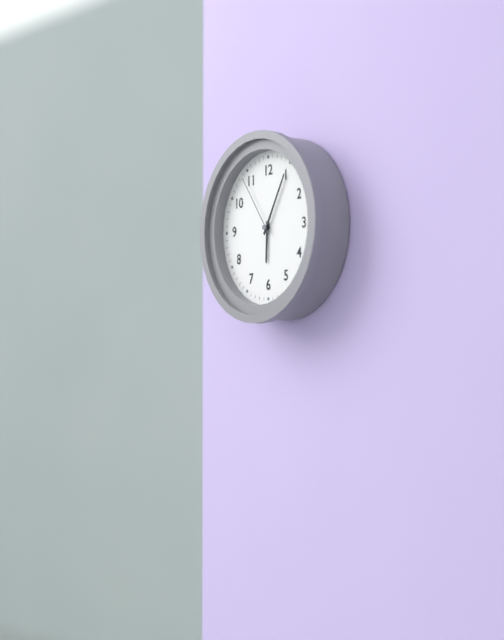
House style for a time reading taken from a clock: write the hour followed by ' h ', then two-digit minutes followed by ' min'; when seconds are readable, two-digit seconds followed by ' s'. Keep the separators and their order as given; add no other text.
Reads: 6 h 05 min 54 s
